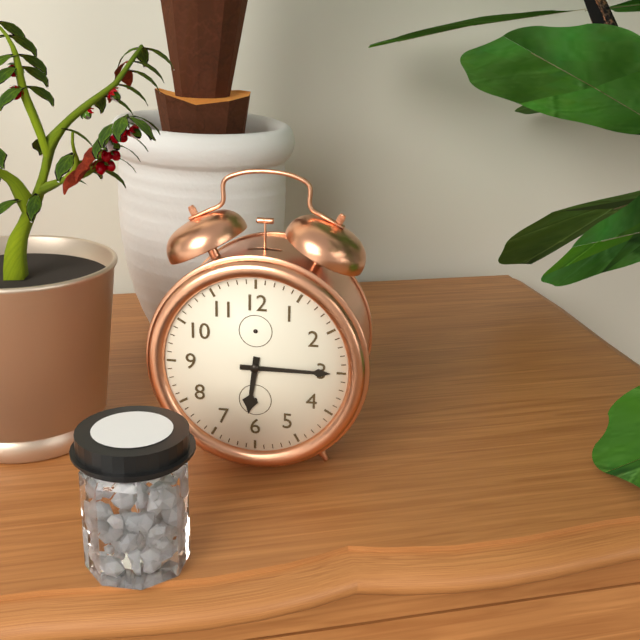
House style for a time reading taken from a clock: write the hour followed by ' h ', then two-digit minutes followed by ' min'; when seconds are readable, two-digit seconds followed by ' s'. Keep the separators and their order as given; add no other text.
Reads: 6 h 15 min
